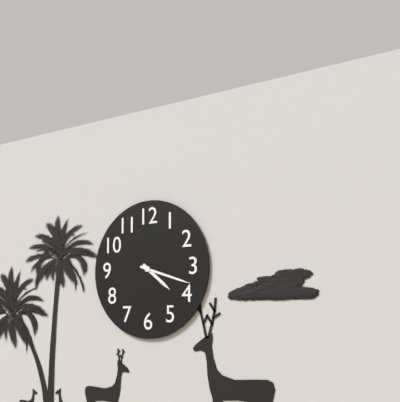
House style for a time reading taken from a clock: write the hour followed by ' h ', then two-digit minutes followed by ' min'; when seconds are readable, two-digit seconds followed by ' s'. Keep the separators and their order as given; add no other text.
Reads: 4 h 18 min
